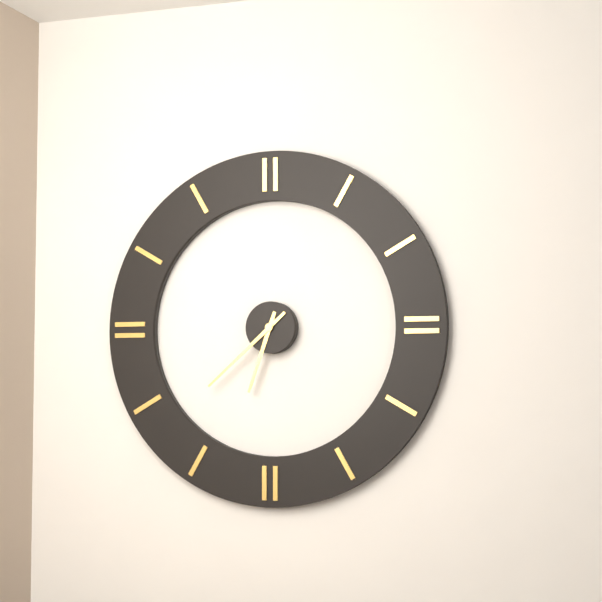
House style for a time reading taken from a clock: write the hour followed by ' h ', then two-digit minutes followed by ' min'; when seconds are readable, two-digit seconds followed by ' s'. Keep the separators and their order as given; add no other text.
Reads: 6 h 38 min
